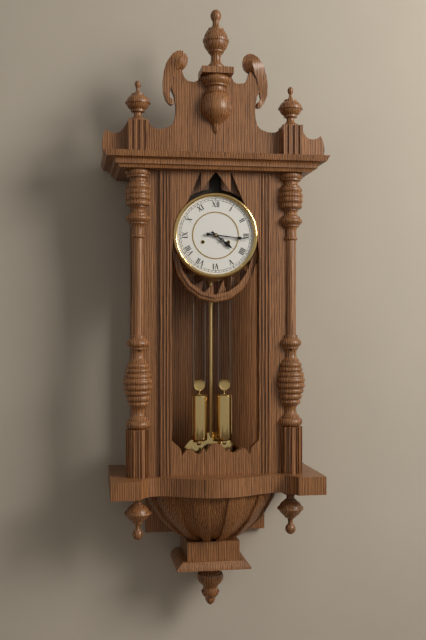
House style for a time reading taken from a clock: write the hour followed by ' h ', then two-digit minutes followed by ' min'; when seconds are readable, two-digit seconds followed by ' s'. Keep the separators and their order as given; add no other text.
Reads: 4 h 16 min
